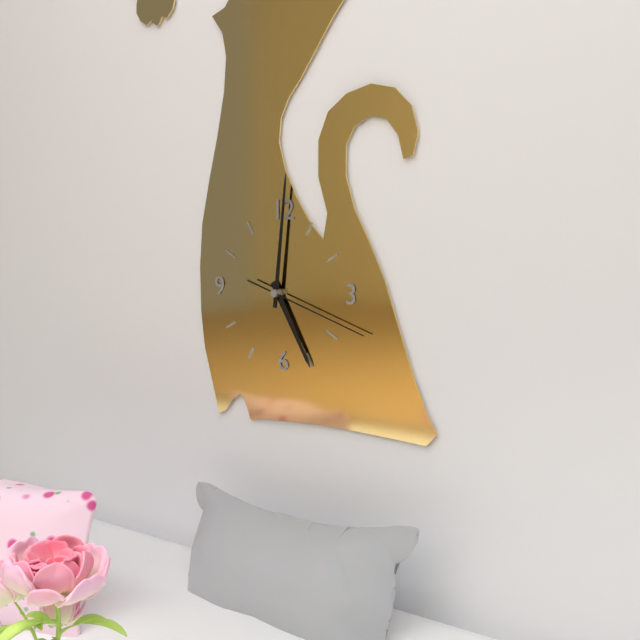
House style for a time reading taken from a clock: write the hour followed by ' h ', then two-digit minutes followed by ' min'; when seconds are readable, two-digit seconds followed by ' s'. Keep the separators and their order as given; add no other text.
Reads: 5 h 01 min 18 s
